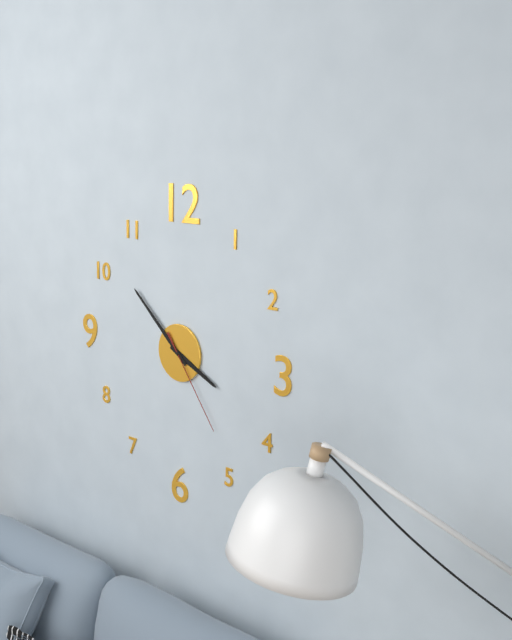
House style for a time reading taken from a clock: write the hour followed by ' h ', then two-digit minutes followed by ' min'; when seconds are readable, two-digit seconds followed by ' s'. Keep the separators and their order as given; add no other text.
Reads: 3 h 52 min 24 s
